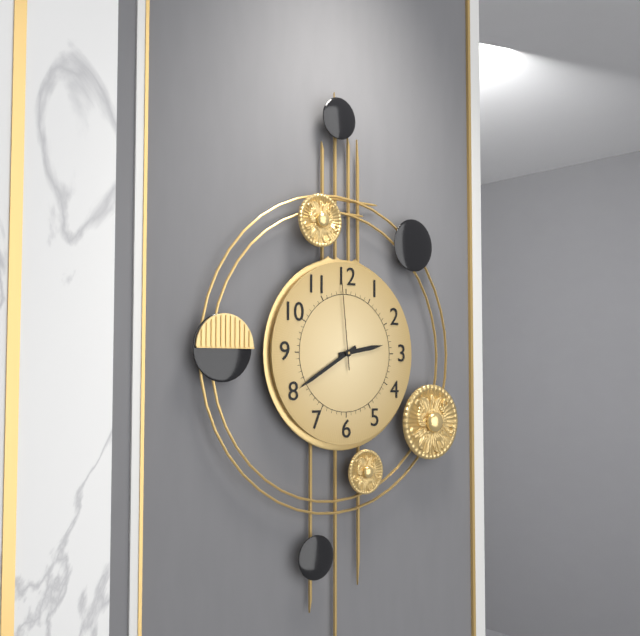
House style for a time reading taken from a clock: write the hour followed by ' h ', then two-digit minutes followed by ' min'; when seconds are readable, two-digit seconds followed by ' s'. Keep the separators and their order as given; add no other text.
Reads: 2 h 40 min 59 s
